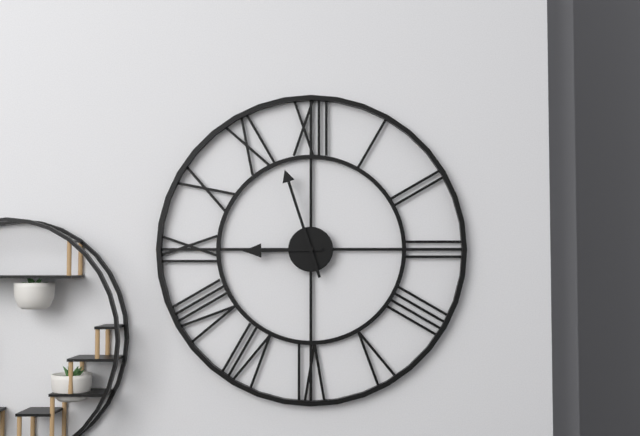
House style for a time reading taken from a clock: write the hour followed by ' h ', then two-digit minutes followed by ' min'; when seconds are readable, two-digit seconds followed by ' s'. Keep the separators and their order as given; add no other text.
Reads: 8 h 57 min
